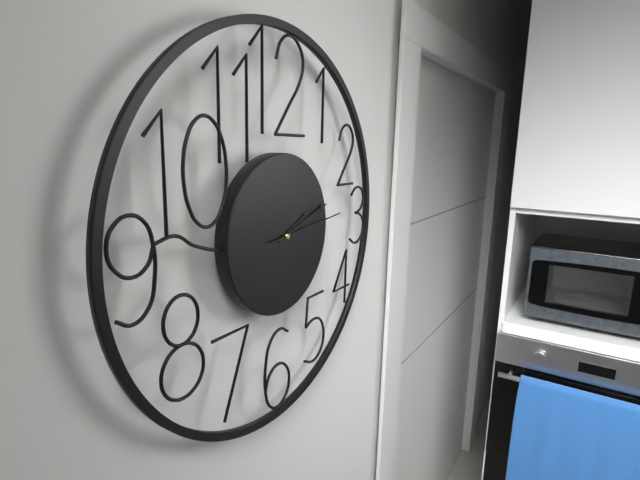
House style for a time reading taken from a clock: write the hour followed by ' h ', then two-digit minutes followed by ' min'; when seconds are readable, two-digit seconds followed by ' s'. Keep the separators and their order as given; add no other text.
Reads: 2 h 12 min 14 s
